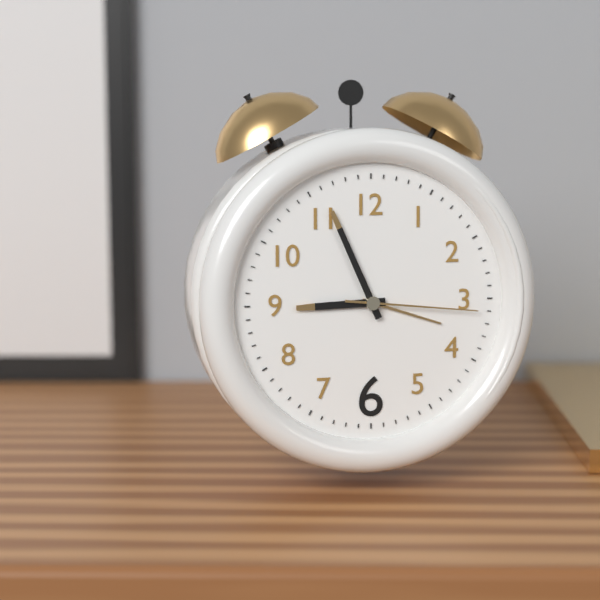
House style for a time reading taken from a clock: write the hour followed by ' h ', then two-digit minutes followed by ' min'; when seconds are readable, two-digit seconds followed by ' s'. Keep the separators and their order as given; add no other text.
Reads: 8 h 56 min 16 s
